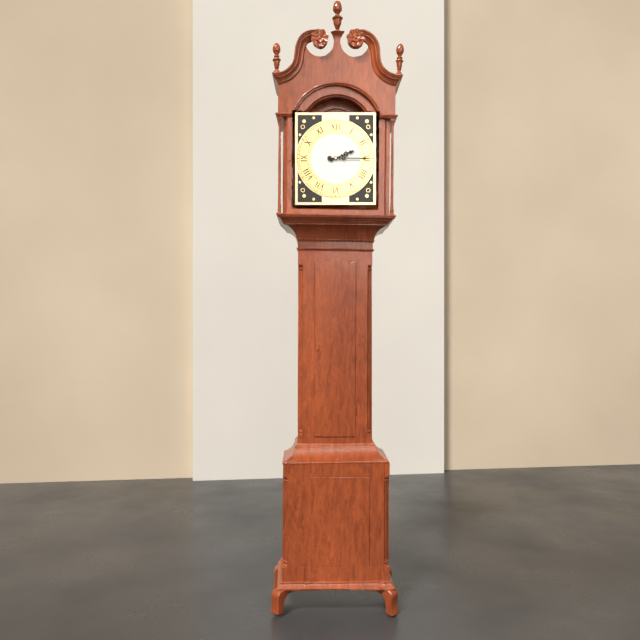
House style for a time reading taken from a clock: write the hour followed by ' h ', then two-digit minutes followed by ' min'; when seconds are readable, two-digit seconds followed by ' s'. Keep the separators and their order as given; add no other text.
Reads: 2 h 15 min
